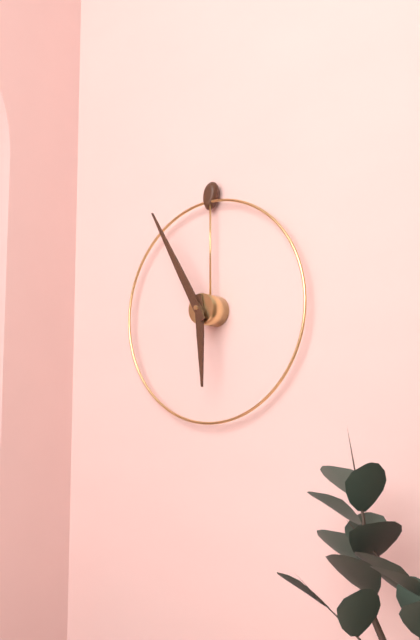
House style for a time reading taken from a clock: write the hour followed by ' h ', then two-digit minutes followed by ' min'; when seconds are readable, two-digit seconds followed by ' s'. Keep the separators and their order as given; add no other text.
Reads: 5 h 55 min
